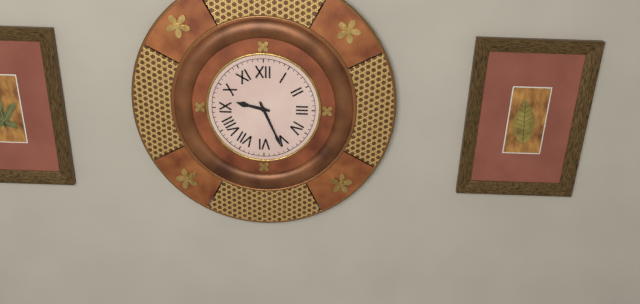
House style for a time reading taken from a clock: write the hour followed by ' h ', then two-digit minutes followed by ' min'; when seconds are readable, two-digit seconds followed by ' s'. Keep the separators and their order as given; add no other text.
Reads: 9 h 26 min
